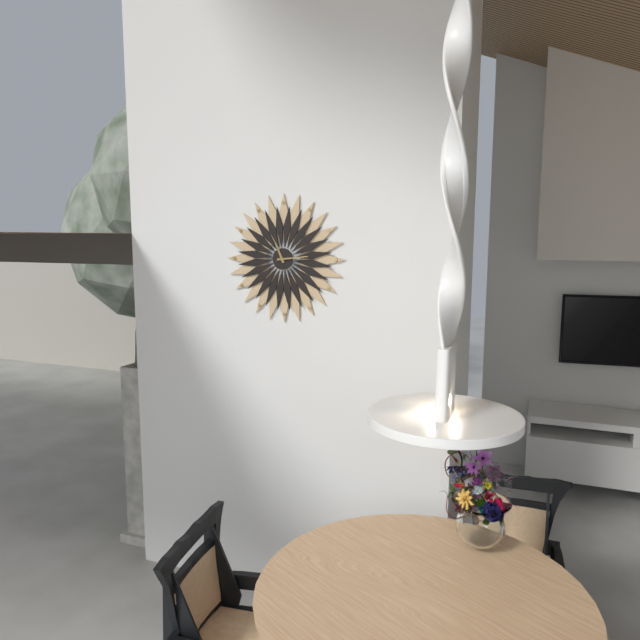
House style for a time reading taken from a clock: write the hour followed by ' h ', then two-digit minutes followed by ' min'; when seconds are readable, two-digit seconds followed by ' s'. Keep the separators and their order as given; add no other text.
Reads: 11 h 14 min
